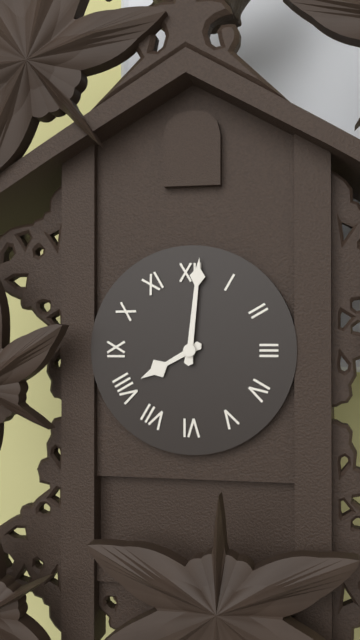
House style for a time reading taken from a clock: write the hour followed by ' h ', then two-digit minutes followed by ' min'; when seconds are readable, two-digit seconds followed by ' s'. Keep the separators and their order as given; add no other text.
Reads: 8 h 01 min
